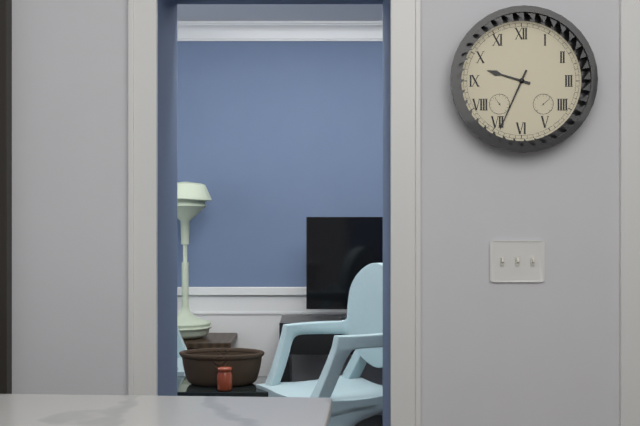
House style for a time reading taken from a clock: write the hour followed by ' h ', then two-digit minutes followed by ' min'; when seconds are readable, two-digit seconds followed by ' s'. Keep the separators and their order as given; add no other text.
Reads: 9 h 34 min
